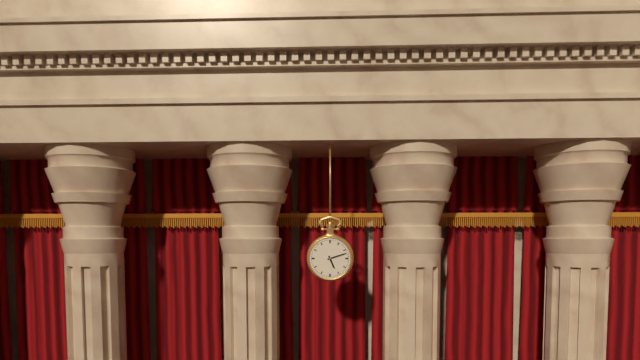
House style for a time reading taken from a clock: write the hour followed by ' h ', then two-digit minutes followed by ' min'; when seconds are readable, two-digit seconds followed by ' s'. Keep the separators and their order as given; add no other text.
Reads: 5 h 12 min
